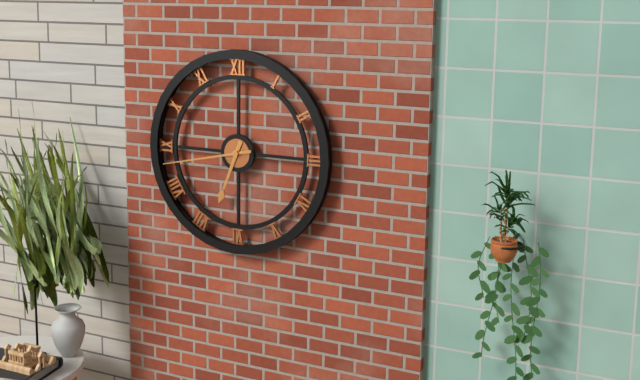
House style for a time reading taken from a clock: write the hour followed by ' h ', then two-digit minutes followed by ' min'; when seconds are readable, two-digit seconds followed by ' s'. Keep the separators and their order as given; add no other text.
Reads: 6 h 43 min
